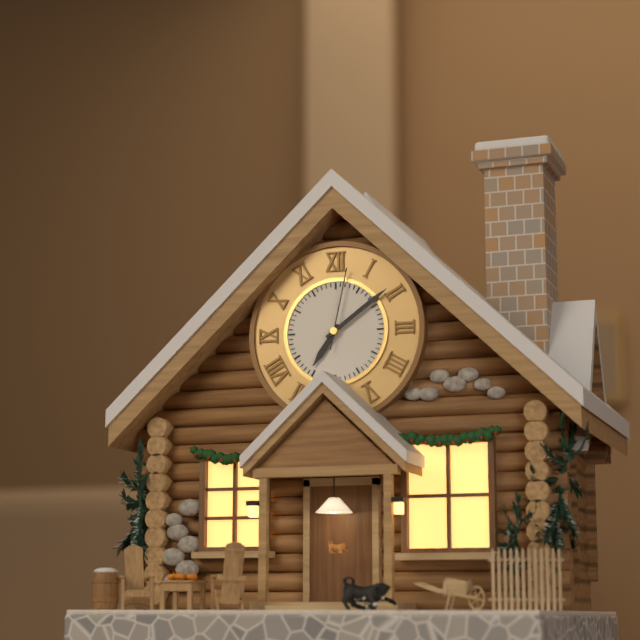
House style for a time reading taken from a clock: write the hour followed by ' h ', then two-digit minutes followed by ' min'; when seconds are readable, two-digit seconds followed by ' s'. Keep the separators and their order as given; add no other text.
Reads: 7 h 09 min 02 s
